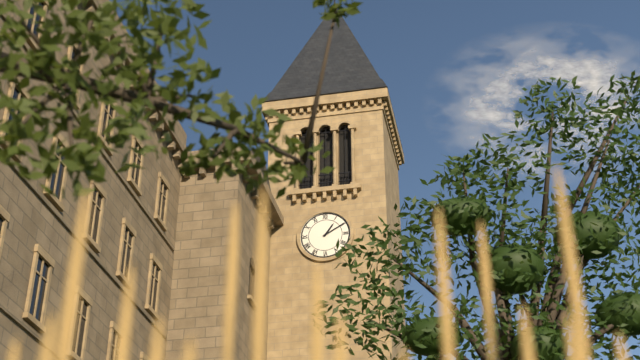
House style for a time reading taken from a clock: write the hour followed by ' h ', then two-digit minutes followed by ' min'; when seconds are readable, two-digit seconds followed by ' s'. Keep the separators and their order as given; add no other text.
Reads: 1 h 10 min
